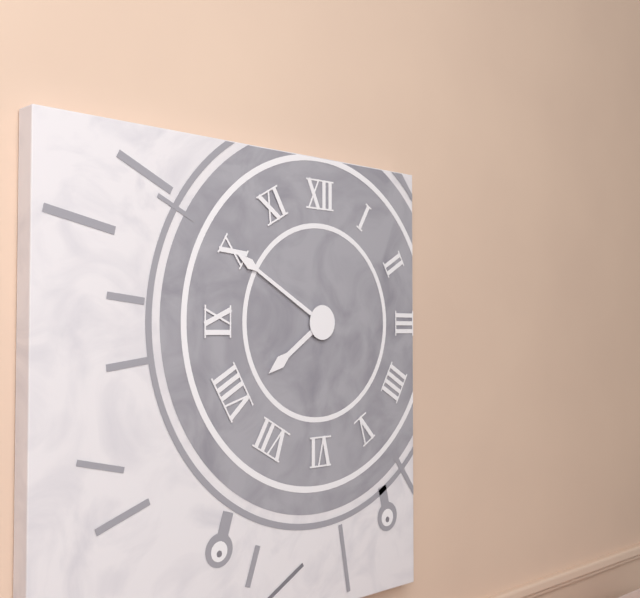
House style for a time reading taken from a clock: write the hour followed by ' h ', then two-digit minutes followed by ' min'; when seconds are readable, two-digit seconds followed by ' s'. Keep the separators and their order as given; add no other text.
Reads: 7 h 50 min
